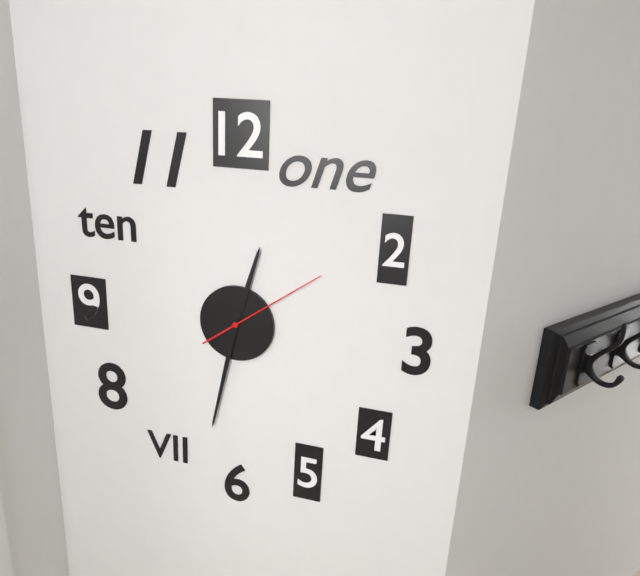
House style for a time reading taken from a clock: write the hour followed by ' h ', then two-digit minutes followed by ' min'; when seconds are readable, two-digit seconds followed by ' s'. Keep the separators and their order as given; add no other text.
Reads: 12 h 32 min 09 s
